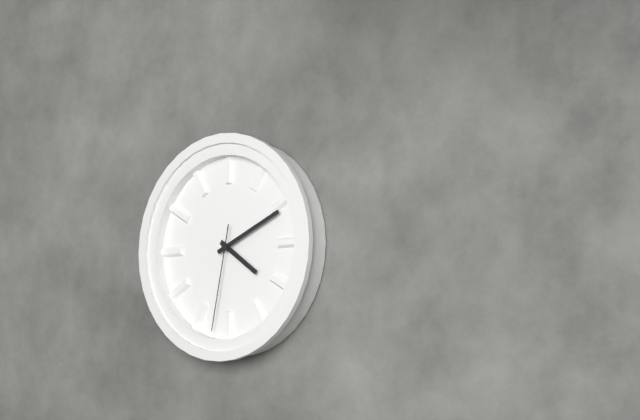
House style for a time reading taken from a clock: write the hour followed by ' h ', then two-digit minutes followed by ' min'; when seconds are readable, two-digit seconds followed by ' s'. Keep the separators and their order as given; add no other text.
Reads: 4 h 11 min 32 s
